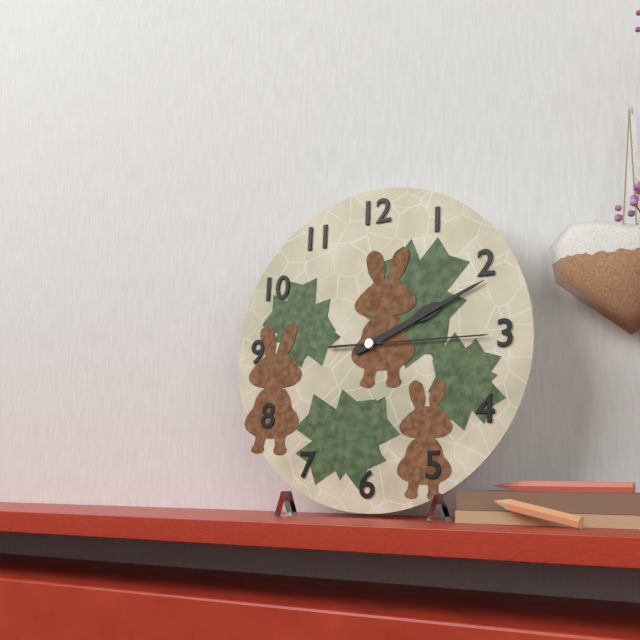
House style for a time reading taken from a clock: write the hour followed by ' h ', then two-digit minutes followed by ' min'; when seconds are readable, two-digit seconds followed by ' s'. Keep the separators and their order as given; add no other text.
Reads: 2 h 11 min 15 s
